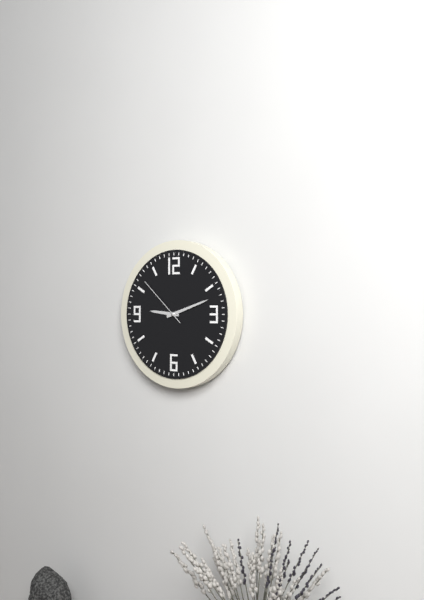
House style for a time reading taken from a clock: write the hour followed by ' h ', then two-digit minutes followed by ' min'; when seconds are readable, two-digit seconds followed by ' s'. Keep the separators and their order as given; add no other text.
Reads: 9 h 12 min 52 s
